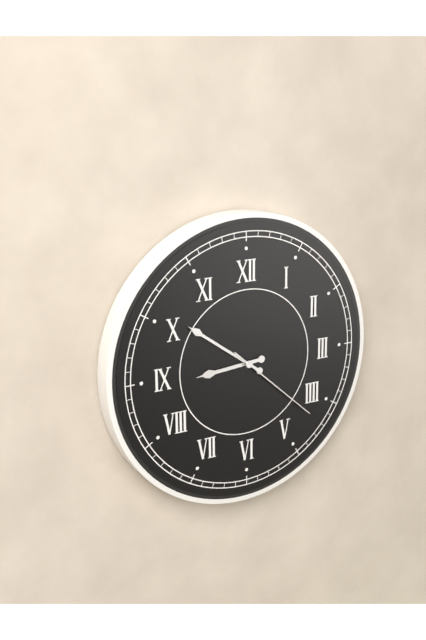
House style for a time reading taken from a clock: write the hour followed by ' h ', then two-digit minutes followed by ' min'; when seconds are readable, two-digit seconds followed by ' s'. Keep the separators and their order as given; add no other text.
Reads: 8 h 51 min 22 s
